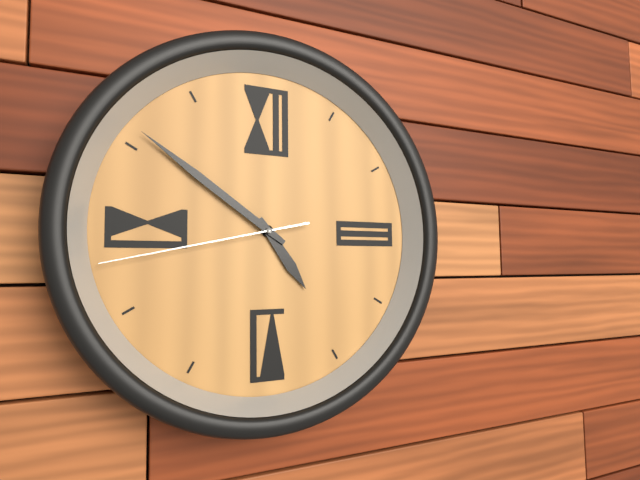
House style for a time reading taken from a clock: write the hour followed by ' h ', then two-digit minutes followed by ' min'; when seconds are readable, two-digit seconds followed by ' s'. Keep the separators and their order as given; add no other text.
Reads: 4 h 51 min 43 s
